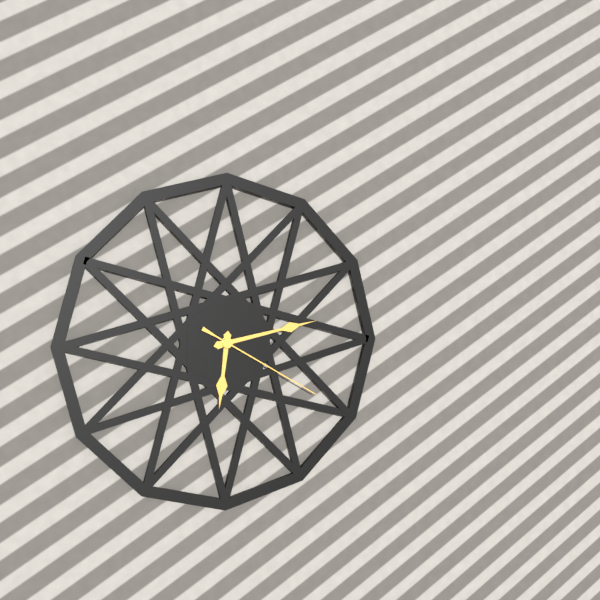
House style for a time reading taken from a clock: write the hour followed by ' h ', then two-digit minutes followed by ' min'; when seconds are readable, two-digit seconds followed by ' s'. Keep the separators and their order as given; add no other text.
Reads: 6 h 13 min 20 s
